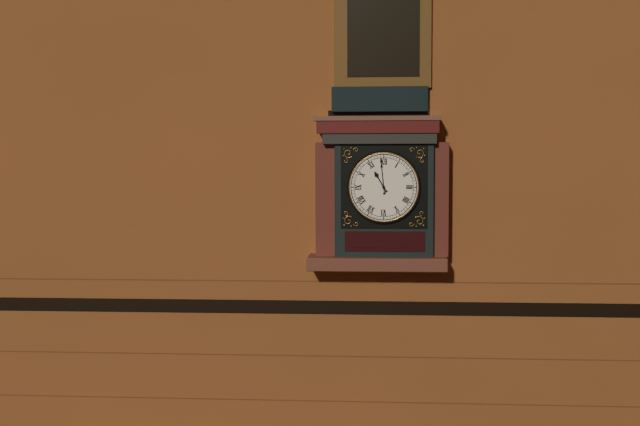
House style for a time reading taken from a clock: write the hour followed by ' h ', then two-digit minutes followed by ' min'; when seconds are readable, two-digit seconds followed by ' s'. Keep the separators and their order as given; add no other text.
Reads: 10 h 59 min
